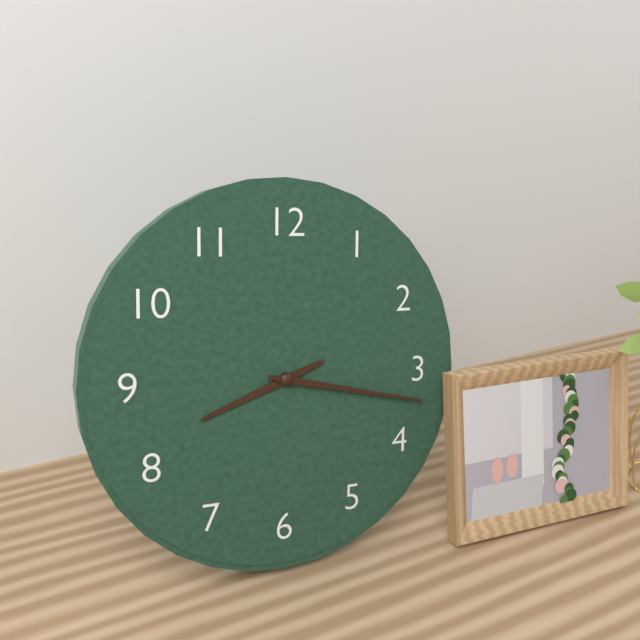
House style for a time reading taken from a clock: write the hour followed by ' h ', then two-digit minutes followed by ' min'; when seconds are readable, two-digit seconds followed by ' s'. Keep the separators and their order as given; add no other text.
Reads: 8 h 17 min
